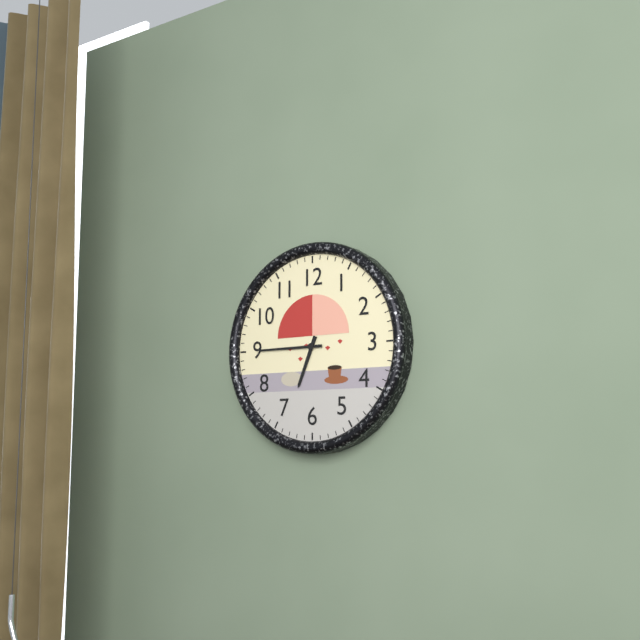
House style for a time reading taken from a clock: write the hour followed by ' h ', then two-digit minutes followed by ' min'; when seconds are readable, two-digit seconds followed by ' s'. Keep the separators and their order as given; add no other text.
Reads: 6 h 45 min
